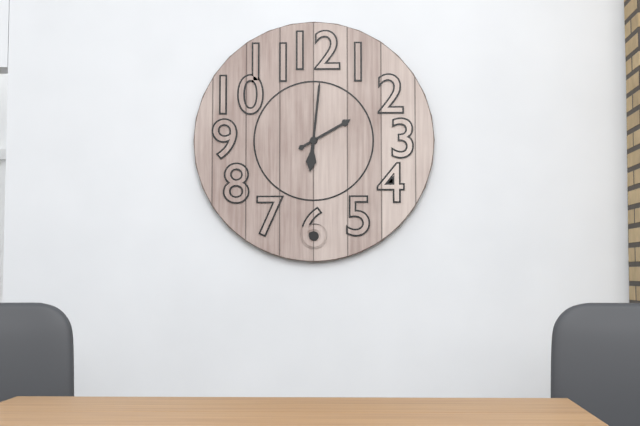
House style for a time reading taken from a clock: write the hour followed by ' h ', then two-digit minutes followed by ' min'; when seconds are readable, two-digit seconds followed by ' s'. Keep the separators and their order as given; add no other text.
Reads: 2 h 01 min
